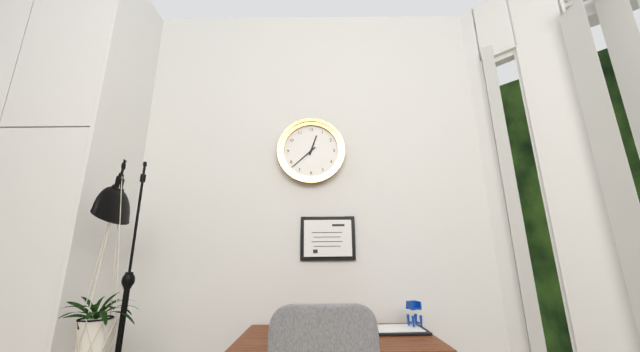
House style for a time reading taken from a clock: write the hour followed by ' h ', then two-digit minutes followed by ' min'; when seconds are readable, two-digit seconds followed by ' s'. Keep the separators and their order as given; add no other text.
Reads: 12 h 38 min
